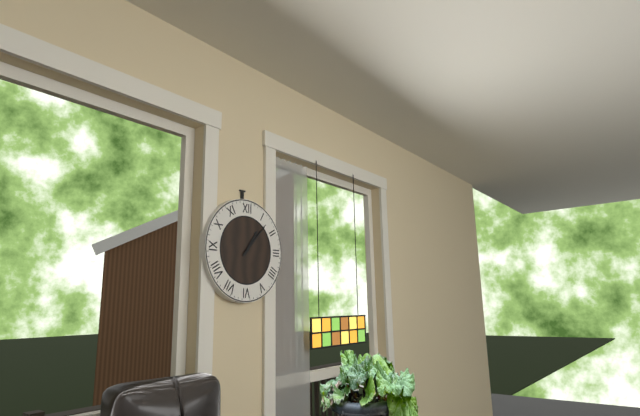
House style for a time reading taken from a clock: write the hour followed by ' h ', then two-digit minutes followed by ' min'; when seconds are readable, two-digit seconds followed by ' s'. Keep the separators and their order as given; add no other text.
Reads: 1 h 07 min
